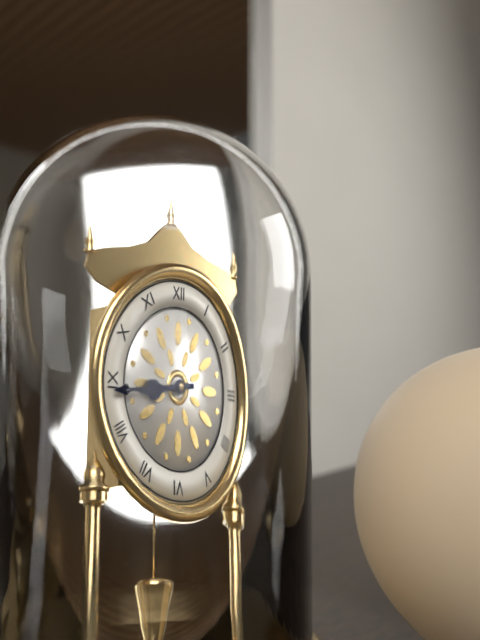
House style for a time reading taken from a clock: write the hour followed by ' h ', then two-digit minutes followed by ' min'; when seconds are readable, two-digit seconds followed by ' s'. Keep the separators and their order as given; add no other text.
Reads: 8 h 44 min
